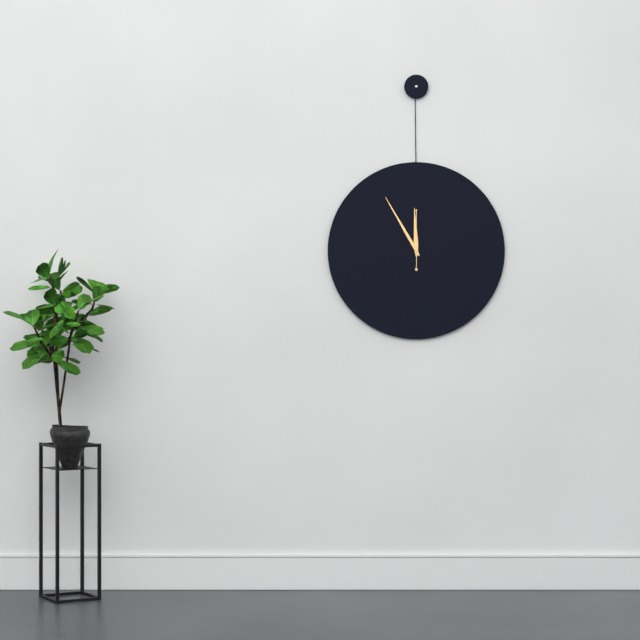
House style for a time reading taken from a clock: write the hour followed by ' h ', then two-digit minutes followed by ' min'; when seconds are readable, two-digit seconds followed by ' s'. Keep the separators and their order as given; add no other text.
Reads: 11 h 55 min 00 s
